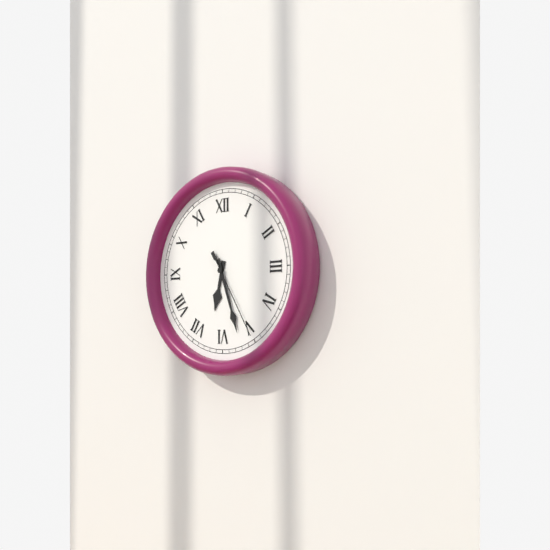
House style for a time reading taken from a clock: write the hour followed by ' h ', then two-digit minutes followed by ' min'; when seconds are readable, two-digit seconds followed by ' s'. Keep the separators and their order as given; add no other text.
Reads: 6 h 27 min 25 s
